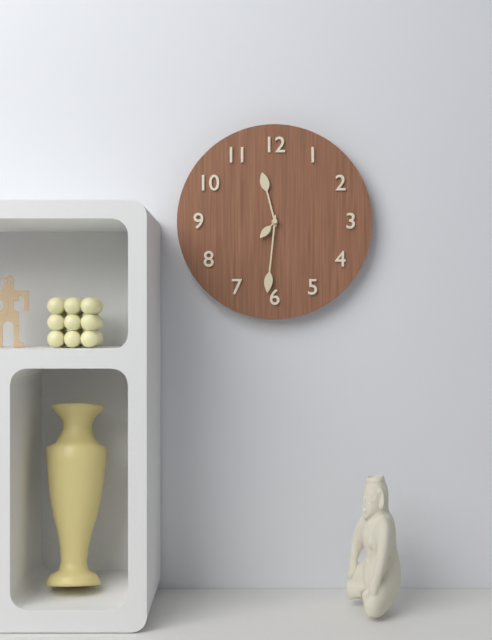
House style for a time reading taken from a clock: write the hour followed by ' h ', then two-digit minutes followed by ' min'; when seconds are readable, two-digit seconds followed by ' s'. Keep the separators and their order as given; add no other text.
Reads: 11 h 31 min
